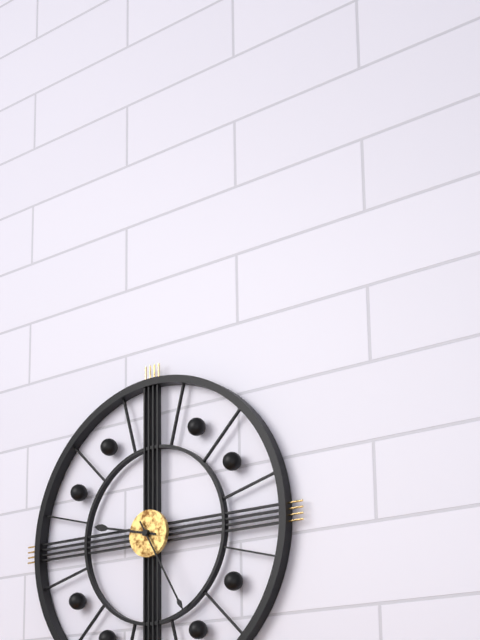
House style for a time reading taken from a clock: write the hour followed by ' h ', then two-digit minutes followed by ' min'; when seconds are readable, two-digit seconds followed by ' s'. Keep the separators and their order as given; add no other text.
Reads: 9 h 25 min
